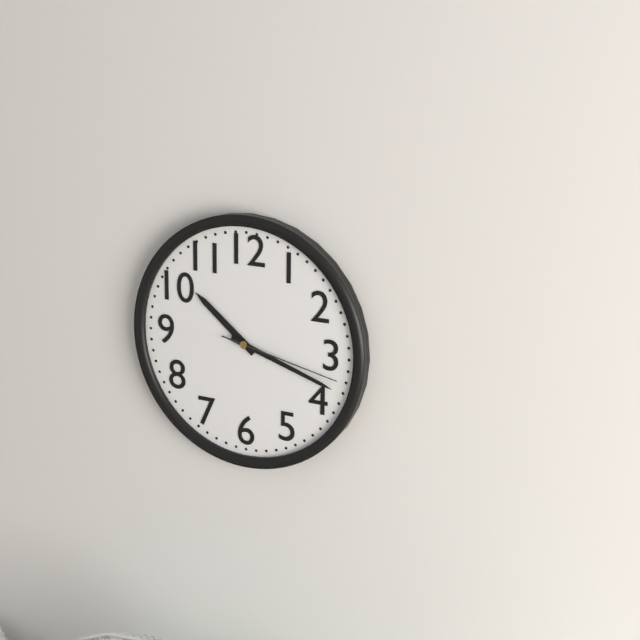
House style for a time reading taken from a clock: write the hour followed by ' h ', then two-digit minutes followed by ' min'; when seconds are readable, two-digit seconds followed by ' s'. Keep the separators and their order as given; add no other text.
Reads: 10 h 18 min 17 s
